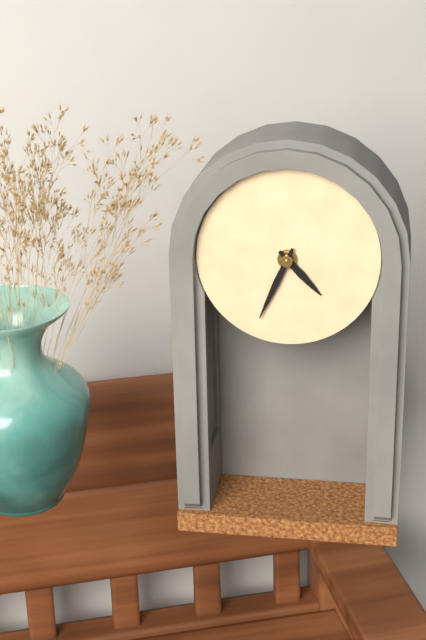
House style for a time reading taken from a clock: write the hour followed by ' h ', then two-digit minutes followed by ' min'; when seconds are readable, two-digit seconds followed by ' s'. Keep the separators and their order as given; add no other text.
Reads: 4 h 34 min
